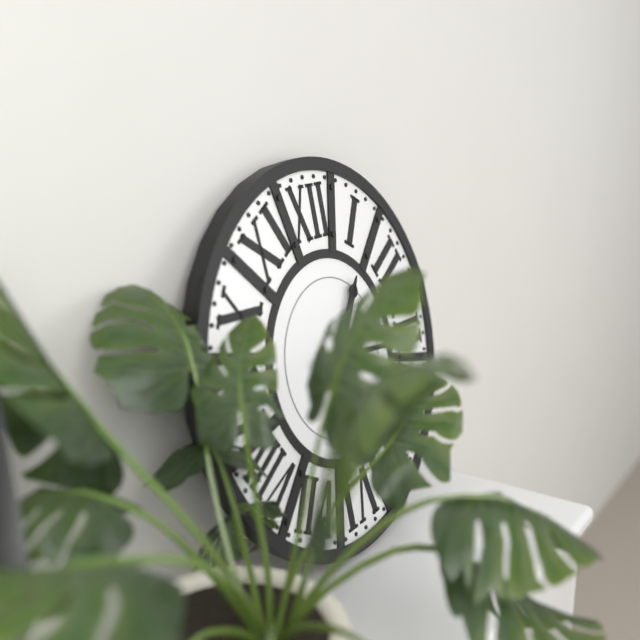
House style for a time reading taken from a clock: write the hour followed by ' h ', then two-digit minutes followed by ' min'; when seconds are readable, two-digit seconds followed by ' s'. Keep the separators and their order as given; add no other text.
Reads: 1 h 16 min
